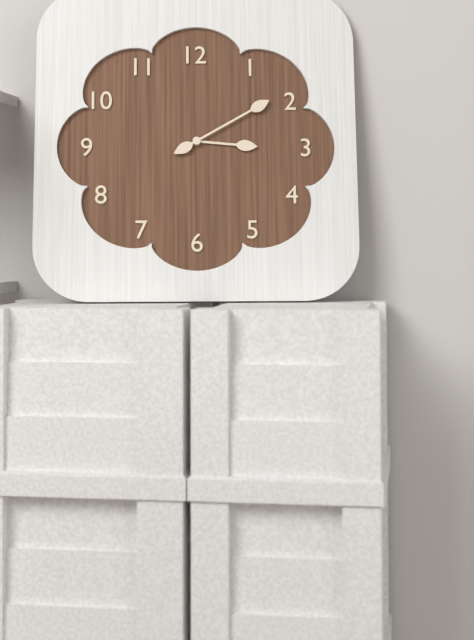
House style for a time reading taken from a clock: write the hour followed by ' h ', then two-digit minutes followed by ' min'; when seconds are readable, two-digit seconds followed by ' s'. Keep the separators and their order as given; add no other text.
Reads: 3 h 10 min
